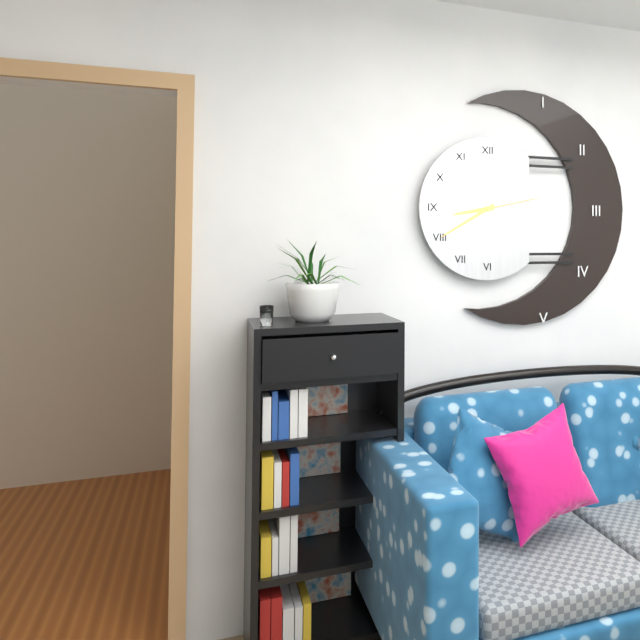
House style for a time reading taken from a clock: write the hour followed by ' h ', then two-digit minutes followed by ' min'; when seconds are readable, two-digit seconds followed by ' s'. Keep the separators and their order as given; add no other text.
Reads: 8 h 40 min 13 s
